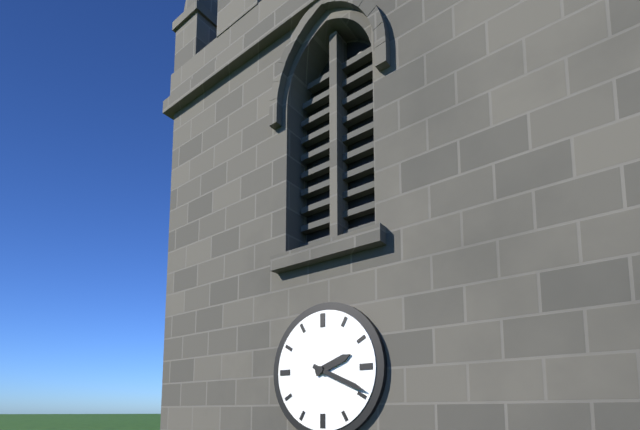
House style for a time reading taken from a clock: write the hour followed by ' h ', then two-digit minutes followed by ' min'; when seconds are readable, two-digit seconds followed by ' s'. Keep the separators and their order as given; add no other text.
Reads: 2 h 19 min
